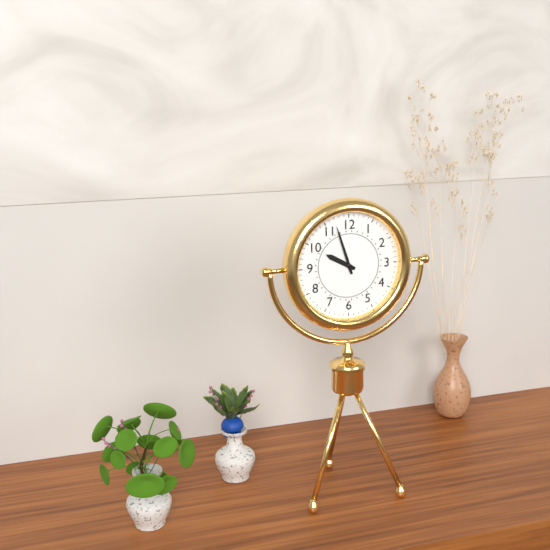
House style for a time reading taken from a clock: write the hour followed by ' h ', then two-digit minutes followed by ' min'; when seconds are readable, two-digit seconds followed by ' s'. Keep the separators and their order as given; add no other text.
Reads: 9 h 57 min
